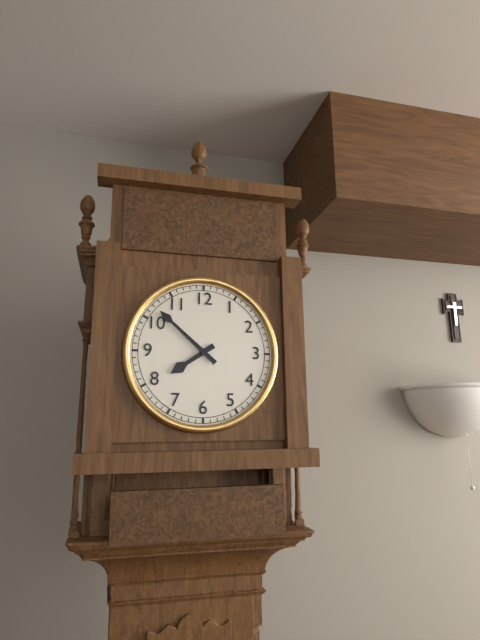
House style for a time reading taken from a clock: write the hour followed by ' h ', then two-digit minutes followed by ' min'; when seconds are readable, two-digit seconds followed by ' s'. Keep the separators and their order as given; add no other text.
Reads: 7 h 52 min
